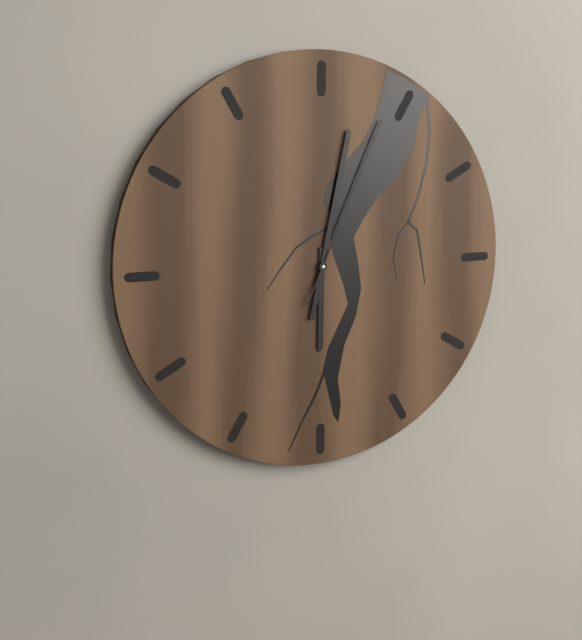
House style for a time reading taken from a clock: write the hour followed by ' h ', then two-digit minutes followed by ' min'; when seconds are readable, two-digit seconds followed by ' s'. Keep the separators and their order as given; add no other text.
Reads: 6 h 02 min 04 s
